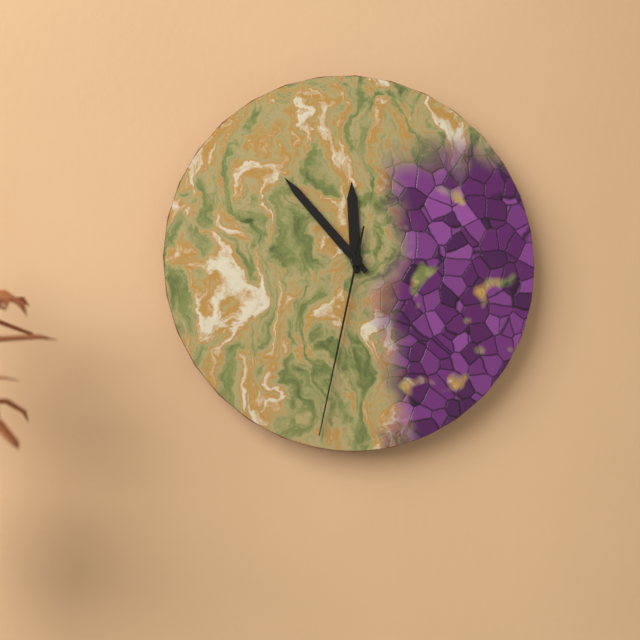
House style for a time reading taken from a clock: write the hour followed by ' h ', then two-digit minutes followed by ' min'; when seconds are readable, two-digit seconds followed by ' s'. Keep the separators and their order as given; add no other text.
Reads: 11 h 53 min 32 s
